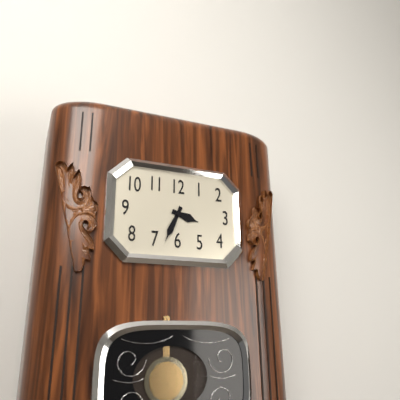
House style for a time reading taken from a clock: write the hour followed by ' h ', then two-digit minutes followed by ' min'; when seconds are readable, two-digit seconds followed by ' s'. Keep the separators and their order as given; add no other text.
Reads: 3 h 34 min
